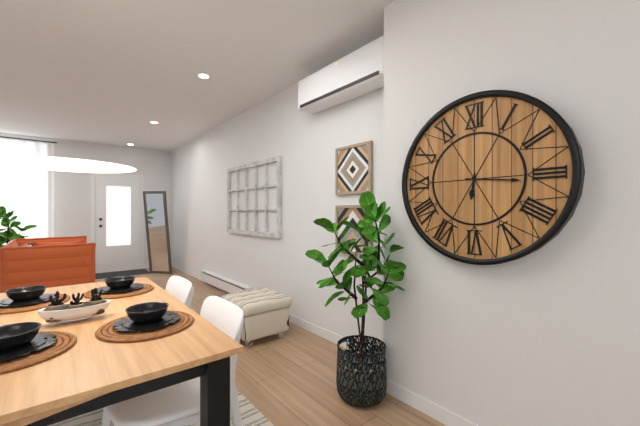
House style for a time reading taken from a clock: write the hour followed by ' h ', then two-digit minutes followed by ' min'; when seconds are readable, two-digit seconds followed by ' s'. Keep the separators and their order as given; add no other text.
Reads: 6 h 16 min
